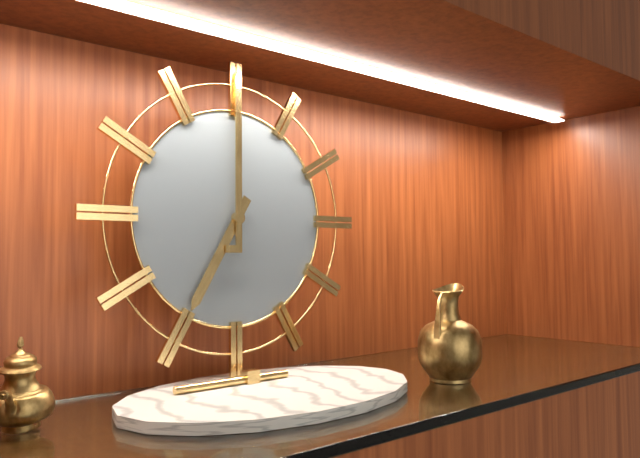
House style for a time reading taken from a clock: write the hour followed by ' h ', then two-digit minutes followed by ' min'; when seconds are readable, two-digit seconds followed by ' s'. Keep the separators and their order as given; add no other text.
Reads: 7 h 00 min
